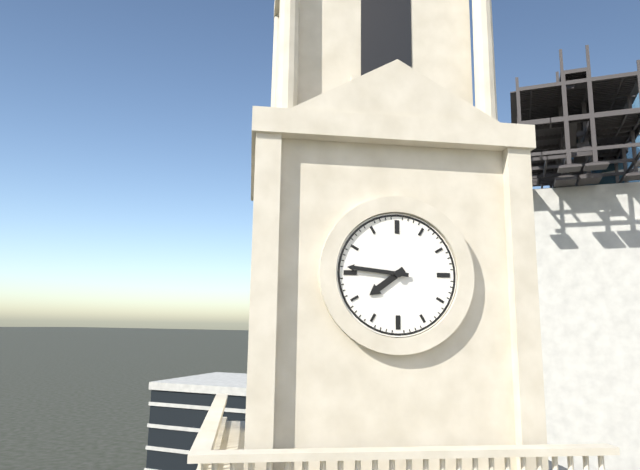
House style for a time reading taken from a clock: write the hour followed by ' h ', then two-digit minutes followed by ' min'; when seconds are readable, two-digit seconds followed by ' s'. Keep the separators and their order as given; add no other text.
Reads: 7 h 46 min
